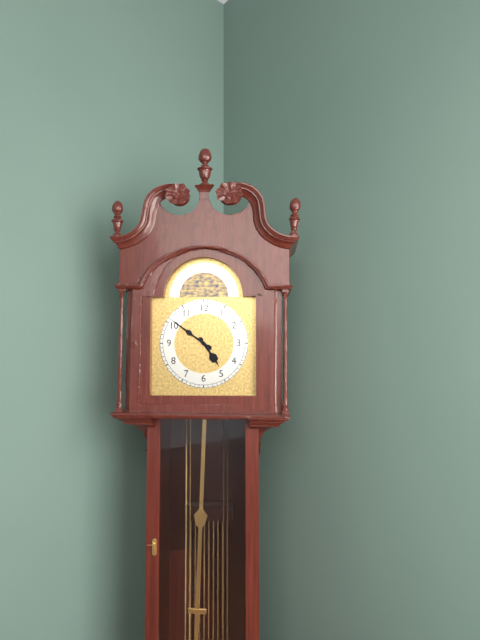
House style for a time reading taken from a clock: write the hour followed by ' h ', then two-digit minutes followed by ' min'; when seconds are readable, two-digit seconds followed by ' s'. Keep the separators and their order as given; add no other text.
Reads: 4 h 51 min
